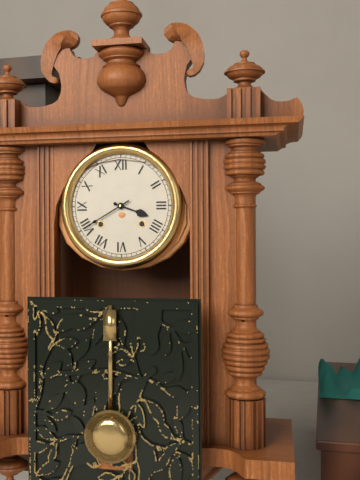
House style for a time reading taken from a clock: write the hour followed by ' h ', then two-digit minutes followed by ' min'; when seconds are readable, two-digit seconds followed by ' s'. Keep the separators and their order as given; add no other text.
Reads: 3 h 40 min
